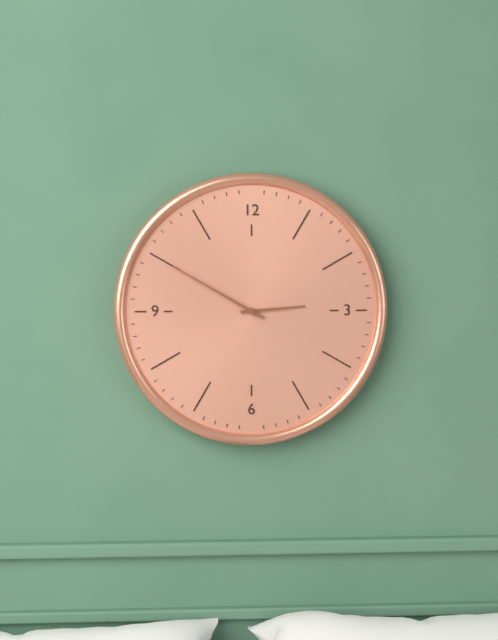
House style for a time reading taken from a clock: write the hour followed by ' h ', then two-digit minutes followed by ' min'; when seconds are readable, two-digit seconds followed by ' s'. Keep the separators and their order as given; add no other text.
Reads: 2 h 50 min
